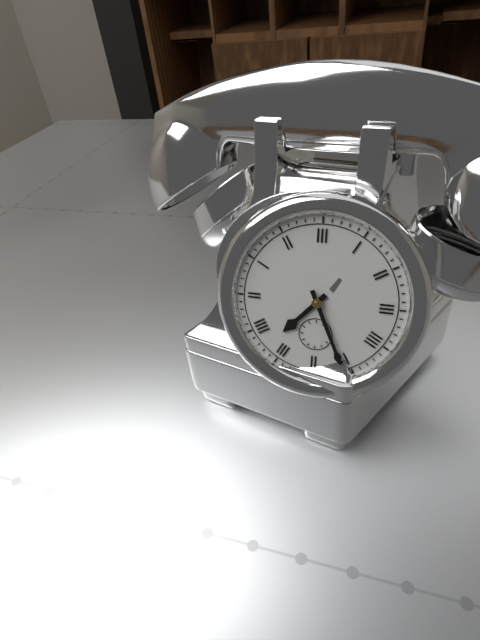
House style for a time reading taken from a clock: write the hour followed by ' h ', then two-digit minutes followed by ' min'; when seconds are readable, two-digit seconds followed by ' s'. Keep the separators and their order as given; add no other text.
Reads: 7 h 26 min
